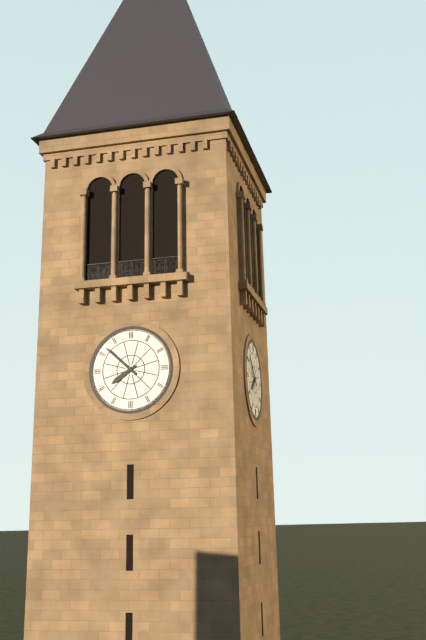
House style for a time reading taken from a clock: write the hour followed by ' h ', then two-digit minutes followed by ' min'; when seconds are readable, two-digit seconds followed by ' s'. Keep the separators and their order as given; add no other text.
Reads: 7 h 52 min
